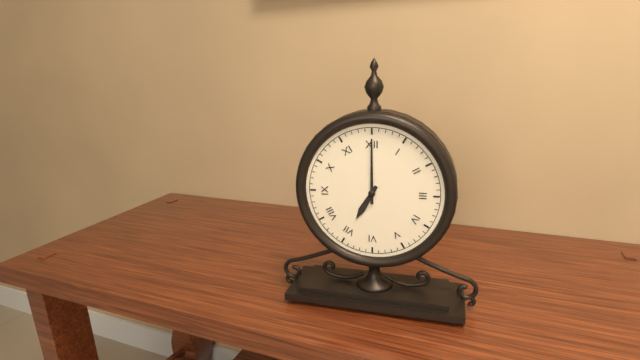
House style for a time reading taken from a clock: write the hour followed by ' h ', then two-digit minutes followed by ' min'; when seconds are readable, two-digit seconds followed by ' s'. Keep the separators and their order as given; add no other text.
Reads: 7 h 00 min
